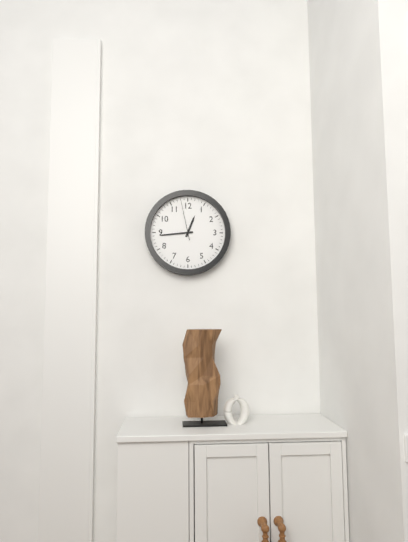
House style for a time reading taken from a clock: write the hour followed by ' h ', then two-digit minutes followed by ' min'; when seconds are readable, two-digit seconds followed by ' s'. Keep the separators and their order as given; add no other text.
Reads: 12 h 44 min
